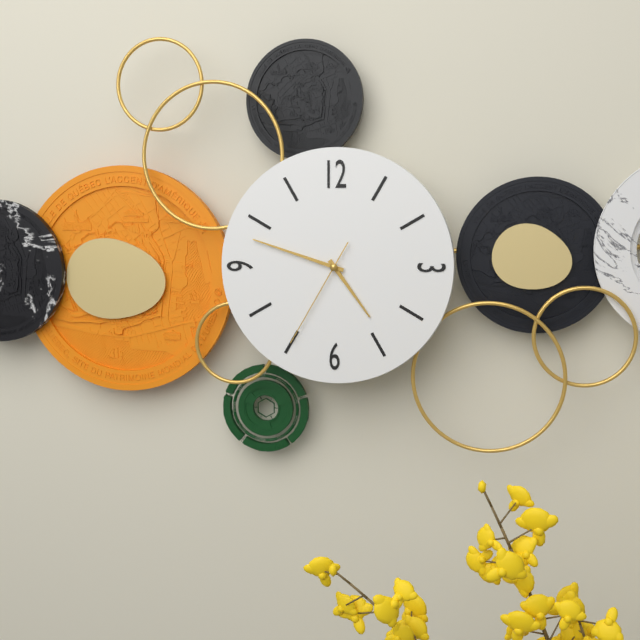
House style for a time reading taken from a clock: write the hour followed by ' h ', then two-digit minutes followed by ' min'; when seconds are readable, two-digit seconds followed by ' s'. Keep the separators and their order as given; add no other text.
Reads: 4 h 48 min 35 s
